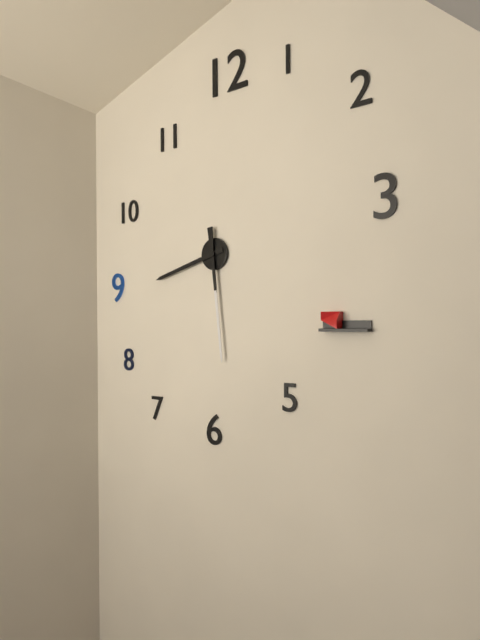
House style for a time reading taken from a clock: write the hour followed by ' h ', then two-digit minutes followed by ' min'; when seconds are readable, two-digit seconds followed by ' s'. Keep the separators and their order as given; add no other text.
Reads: 8 h 29 min
